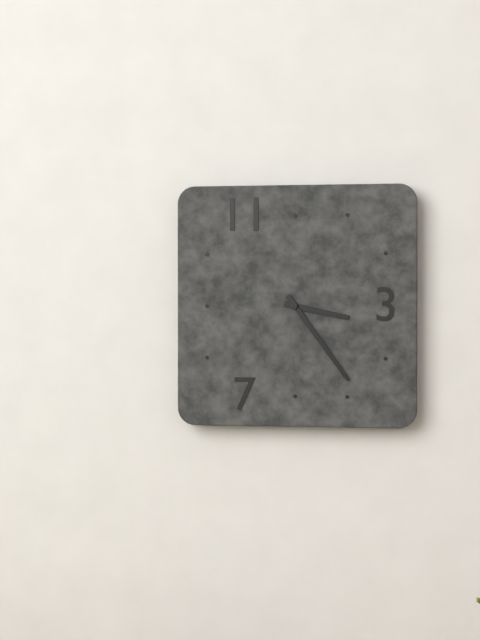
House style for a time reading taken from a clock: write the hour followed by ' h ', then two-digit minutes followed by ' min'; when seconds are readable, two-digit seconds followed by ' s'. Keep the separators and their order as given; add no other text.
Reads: 3 h 24 min
